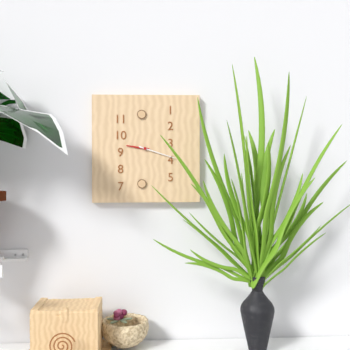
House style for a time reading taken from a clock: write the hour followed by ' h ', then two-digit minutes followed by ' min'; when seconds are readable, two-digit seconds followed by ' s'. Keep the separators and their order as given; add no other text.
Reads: 9 h 18 min
